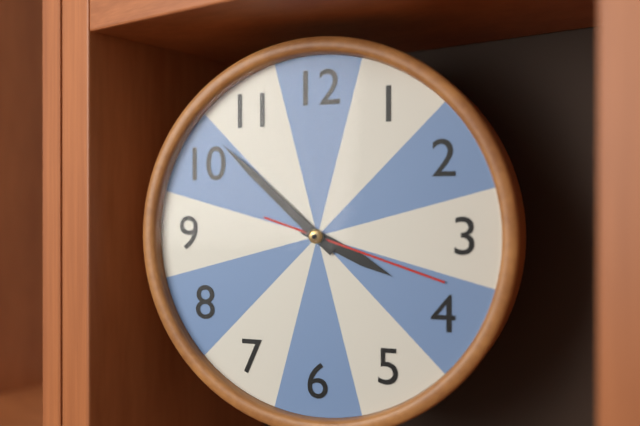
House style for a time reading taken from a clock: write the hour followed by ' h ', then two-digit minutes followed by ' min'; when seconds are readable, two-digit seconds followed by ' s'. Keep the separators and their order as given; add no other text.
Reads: 3 h 52 min 18 s
